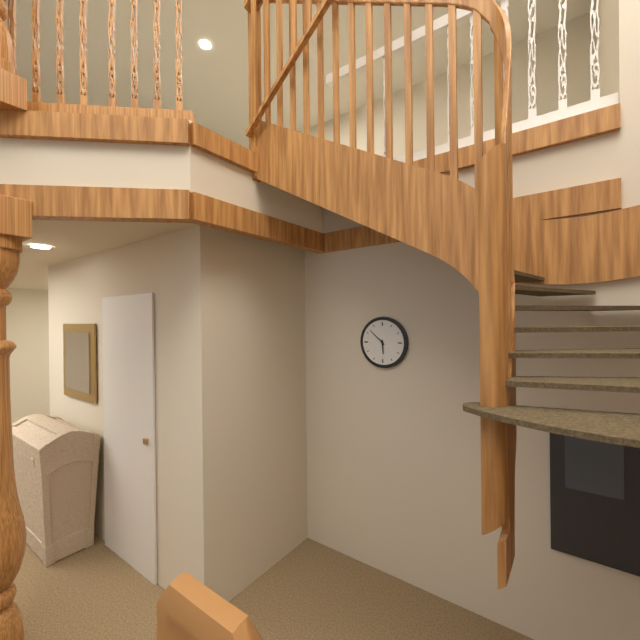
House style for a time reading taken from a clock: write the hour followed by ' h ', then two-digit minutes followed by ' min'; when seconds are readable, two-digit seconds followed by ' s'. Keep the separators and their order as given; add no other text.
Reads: 5 h 52 min
